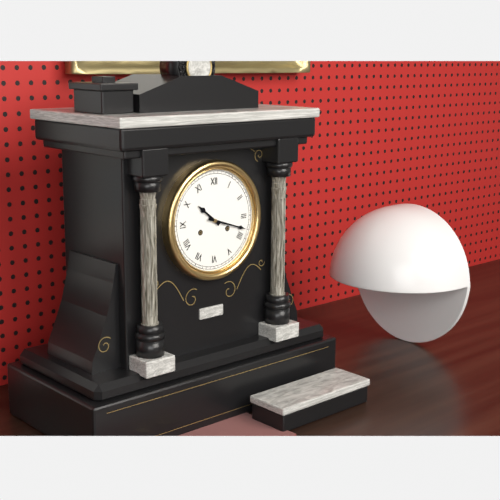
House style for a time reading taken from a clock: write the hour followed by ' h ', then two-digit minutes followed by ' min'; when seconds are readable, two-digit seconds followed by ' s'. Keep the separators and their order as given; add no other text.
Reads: 10 h 18 min
